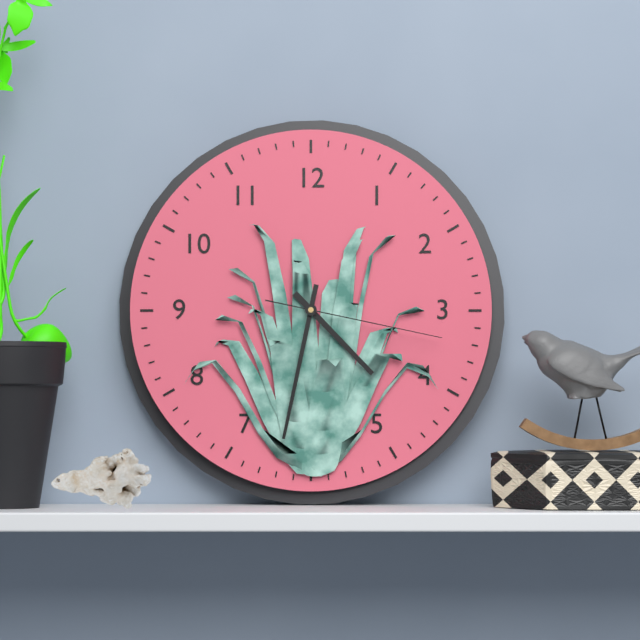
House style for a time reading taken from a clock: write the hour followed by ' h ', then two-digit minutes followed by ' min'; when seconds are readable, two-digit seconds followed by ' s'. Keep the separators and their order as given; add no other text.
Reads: 4 h 32 min 17 s
